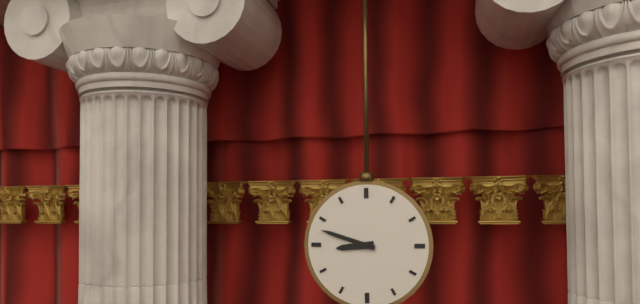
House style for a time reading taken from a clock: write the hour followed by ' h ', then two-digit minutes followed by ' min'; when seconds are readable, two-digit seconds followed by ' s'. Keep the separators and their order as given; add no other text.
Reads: 8 h 48 min
